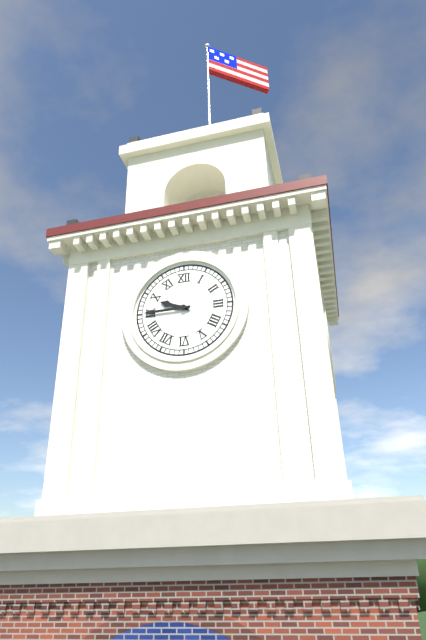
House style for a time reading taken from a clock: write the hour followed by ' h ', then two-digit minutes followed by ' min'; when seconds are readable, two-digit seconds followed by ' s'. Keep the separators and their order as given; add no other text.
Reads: 9 h 45 min
